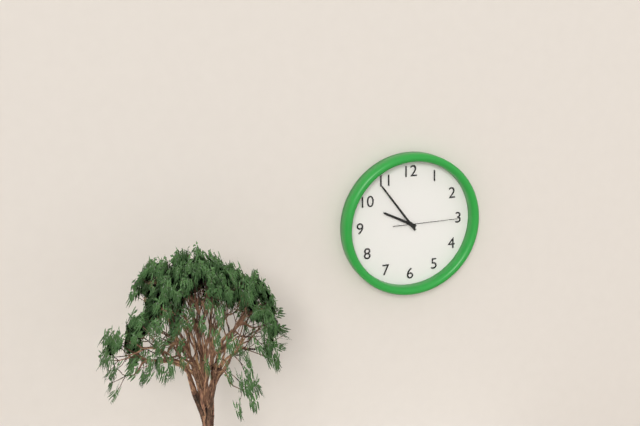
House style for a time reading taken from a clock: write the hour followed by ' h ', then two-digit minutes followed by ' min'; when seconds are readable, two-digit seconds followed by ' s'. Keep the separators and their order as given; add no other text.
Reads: 9 h 54 min 15 s
